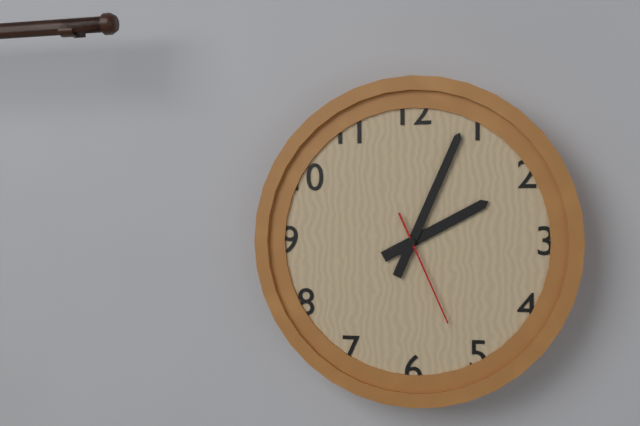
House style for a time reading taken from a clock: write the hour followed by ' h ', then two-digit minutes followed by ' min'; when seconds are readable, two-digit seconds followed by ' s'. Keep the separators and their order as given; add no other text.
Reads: 2 h 04 min 26 s
